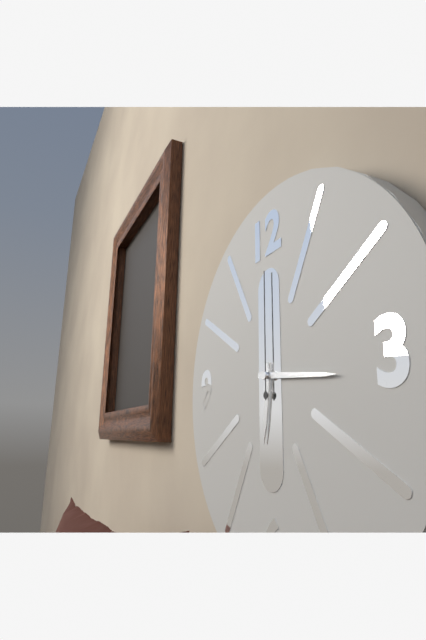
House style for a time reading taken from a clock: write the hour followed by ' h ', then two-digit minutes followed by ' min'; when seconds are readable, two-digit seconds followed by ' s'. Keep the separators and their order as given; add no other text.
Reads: 6 h 16 min 00 s
